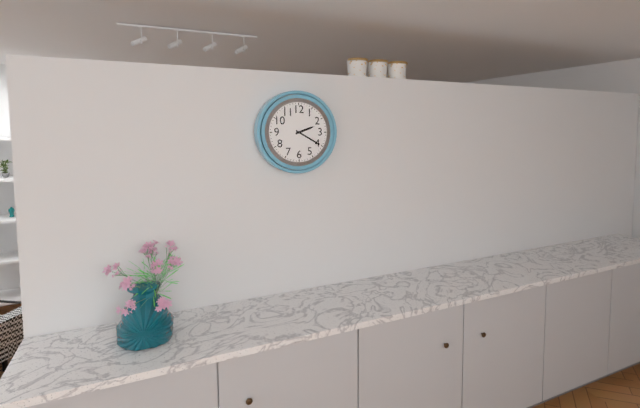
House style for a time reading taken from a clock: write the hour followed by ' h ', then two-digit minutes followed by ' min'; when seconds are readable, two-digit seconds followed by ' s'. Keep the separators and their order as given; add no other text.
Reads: 2 h 20 min
